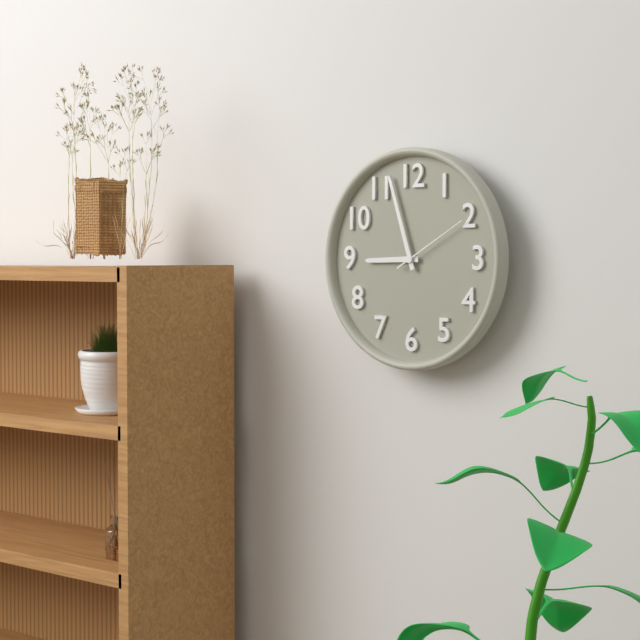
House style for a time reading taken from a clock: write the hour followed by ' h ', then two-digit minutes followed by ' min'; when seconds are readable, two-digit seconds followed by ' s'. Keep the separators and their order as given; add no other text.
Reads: 8 h 57 min 10 s
